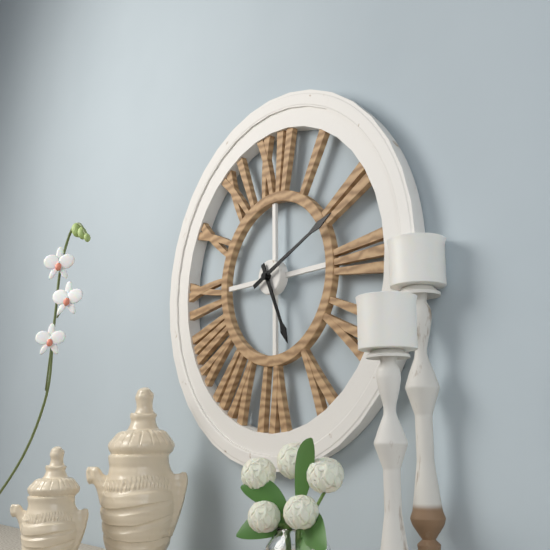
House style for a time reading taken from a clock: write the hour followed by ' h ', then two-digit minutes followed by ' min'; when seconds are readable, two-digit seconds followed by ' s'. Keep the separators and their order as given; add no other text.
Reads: 5 h 11 min
